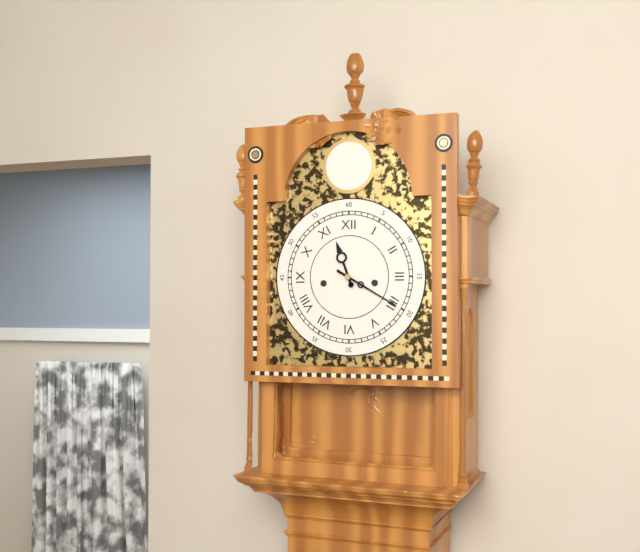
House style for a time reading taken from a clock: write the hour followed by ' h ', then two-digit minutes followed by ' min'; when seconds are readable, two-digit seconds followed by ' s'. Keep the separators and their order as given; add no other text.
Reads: 11 h 20 min
